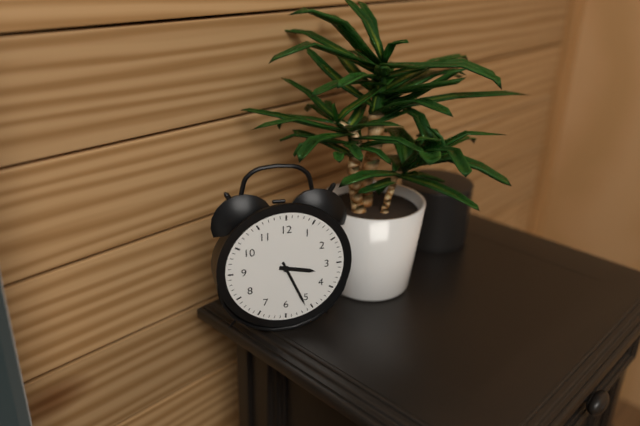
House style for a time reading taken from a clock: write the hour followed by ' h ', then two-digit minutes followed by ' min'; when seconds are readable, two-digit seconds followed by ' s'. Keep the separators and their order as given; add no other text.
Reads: 3 h 26 min
